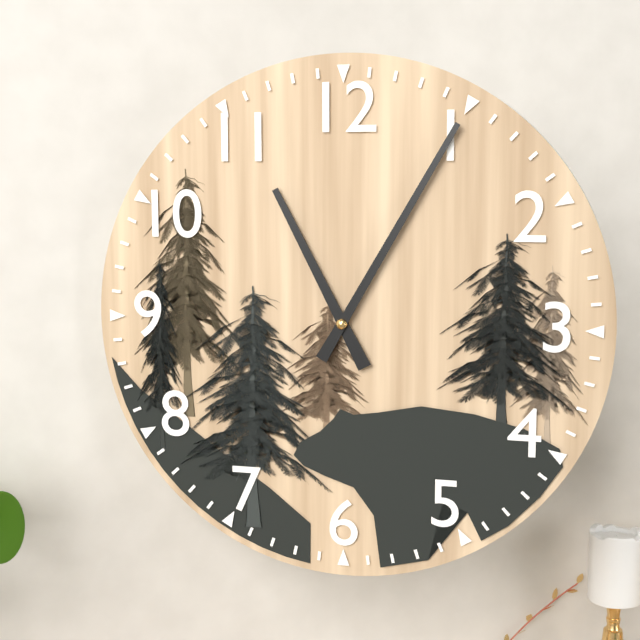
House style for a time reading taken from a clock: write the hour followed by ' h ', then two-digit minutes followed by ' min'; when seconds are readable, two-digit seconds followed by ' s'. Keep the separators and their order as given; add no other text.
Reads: 11 h 05 min
